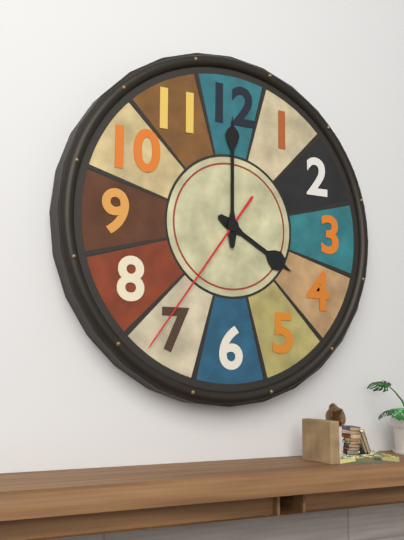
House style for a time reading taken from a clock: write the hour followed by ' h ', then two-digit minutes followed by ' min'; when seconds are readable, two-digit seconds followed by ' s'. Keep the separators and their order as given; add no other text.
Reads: 4 h 00 min 36 s
